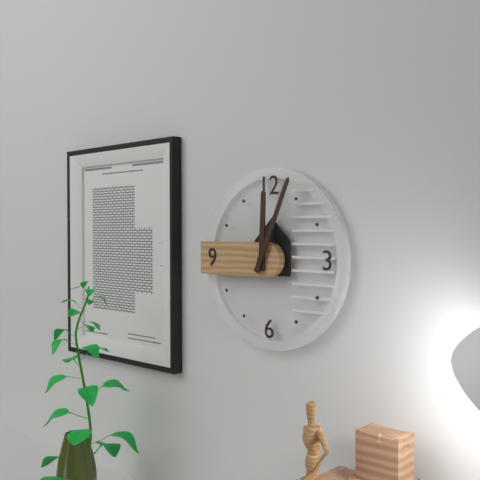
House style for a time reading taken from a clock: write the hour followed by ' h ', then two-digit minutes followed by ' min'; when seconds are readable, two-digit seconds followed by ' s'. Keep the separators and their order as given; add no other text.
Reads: 12 h 04 min
